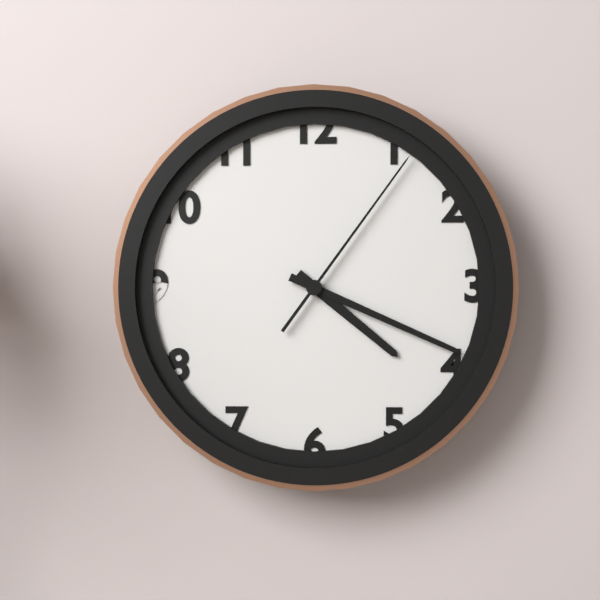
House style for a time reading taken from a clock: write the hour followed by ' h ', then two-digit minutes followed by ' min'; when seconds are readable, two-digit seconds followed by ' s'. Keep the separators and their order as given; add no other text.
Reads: 4 h 19 min 06 s
